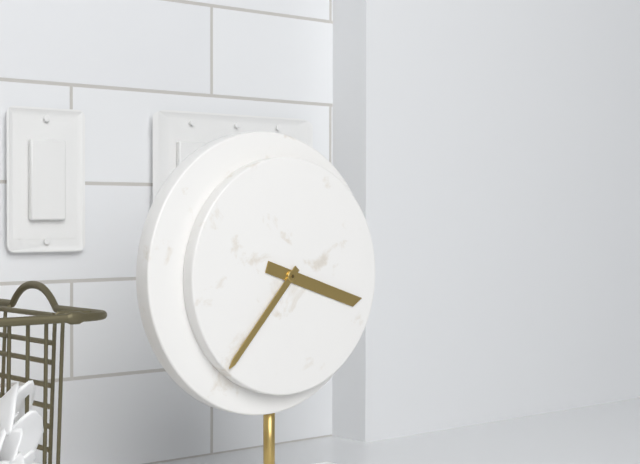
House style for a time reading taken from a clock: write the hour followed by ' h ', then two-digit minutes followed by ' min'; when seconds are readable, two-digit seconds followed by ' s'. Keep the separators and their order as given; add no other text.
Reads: 3 h 37 min
